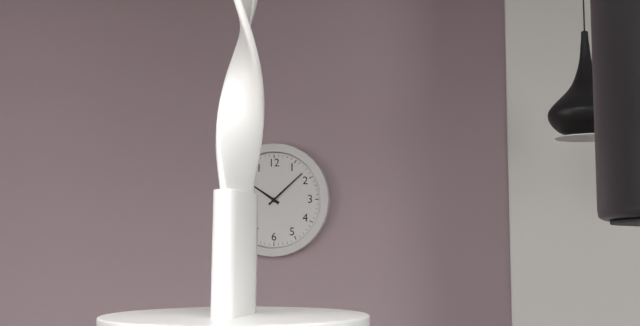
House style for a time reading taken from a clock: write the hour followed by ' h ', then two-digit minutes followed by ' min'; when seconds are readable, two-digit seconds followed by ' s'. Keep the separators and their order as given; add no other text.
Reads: 10 h 08 min
